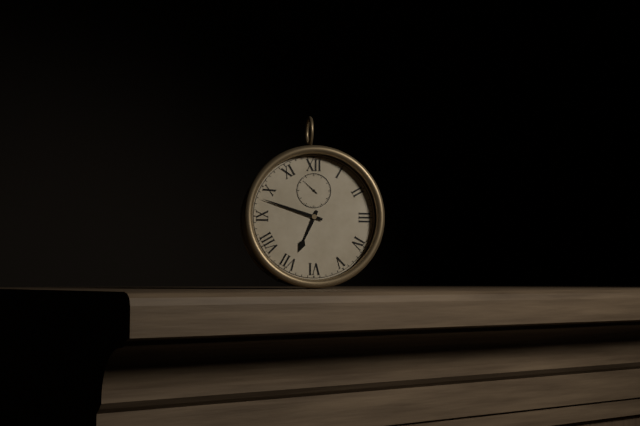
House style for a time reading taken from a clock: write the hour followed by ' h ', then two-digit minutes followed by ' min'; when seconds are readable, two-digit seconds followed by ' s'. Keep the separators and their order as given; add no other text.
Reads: 6 h 48 min
